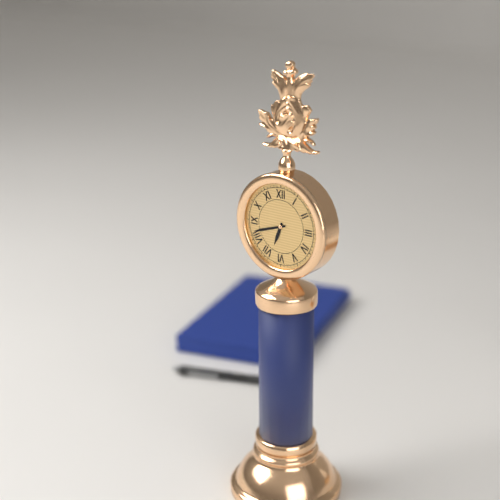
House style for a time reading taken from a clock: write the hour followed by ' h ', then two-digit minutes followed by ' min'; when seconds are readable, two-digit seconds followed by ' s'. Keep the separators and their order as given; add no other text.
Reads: 6 h 42 min
